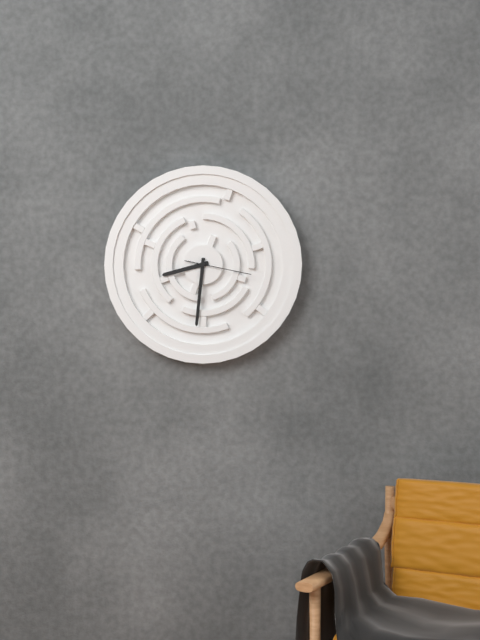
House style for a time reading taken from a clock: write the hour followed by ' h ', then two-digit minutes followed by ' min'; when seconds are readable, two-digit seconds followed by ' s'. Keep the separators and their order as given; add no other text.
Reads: 8 h 31 min 17 s
